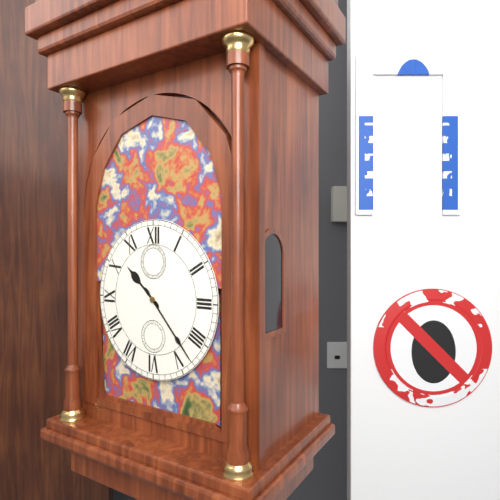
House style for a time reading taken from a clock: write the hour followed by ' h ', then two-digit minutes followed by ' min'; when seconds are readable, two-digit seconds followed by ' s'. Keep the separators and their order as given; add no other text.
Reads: 10 h 23 min
